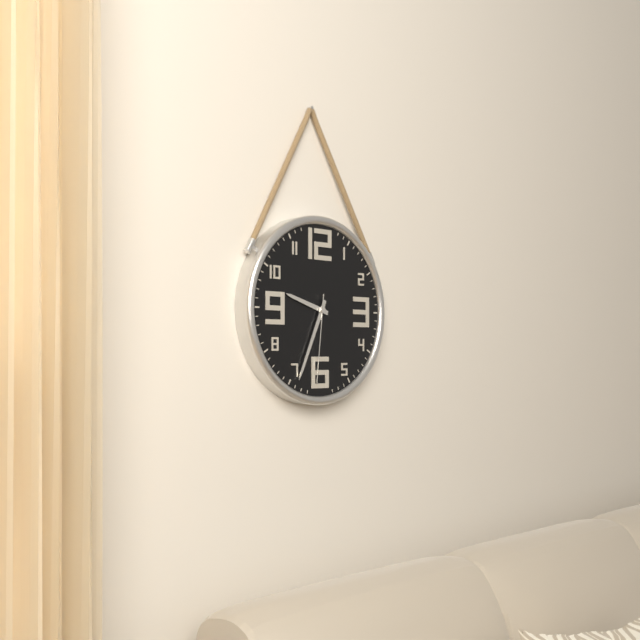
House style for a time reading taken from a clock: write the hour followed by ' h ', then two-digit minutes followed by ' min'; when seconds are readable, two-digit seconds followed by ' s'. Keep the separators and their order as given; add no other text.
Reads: 9 h 34 min 31 s
